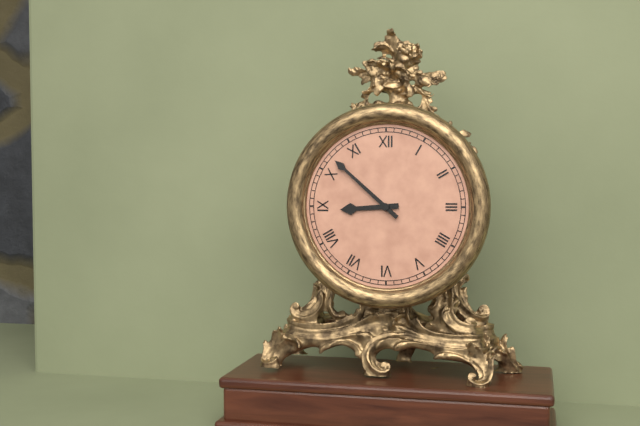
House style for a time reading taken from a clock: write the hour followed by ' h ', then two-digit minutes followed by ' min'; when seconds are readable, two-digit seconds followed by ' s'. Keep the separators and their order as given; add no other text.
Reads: 8 h 52 min
